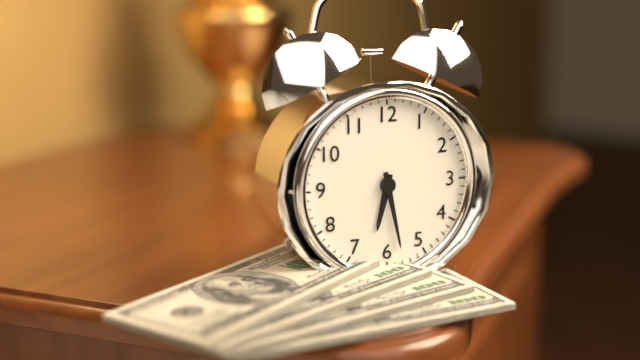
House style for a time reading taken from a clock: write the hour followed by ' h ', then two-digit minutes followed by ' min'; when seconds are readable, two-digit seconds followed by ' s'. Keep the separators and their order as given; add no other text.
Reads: 6 h 28 min
